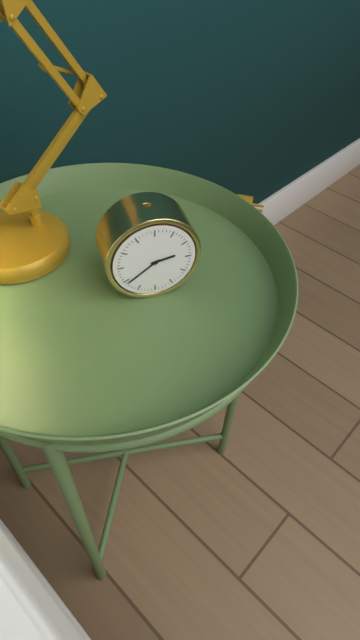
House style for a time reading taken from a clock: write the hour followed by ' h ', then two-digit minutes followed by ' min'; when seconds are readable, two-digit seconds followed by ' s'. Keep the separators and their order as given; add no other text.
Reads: 2 h 39 min
